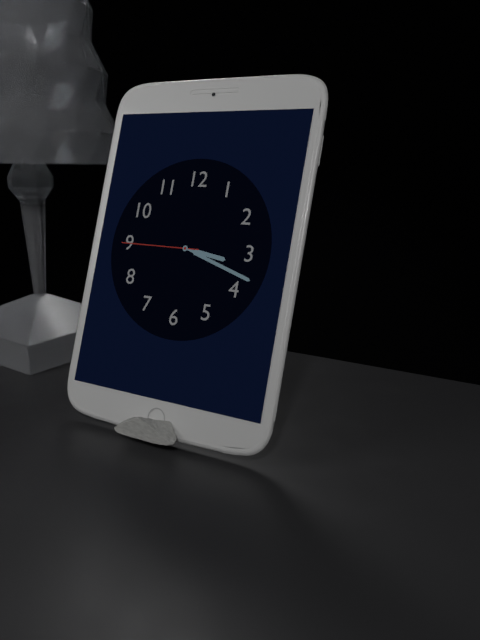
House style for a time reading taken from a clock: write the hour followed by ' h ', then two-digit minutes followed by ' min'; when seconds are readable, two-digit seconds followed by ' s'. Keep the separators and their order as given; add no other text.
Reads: 3 h 18 min 45 s
